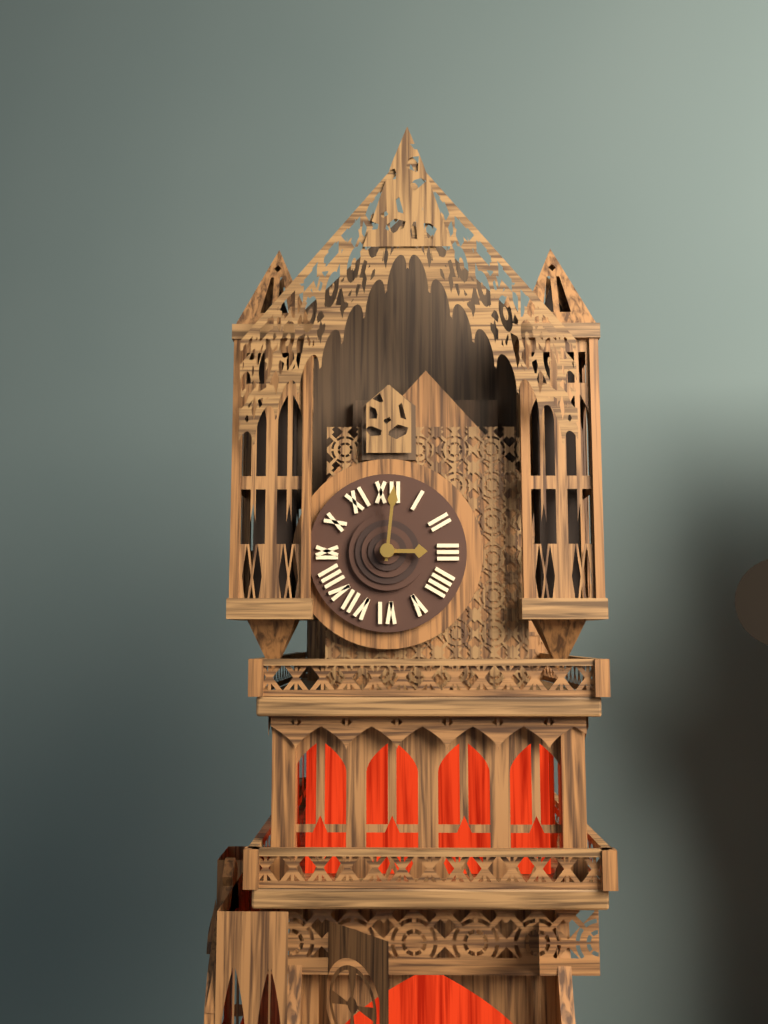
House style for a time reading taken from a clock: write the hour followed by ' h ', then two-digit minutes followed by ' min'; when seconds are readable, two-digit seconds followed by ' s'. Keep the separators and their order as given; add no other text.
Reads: 3 h 01 min
